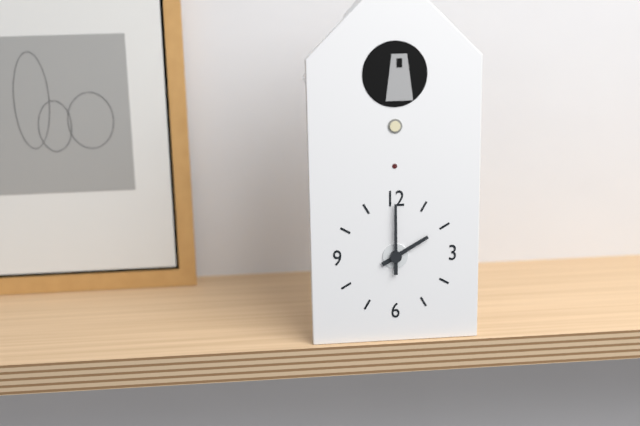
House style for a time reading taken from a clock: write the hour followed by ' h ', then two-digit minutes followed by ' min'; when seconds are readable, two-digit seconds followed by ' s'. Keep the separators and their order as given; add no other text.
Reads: 2 h 00 min
